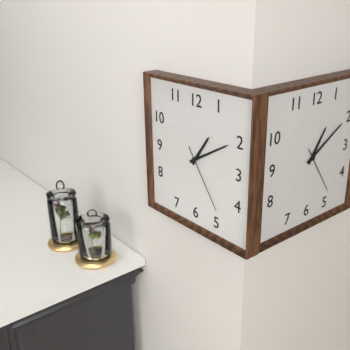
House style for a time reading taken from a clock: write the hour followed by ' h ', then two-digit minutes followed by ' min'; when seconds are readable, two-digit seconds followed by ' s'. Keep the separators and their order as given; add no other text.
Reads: 1 h 10 min 24 s
